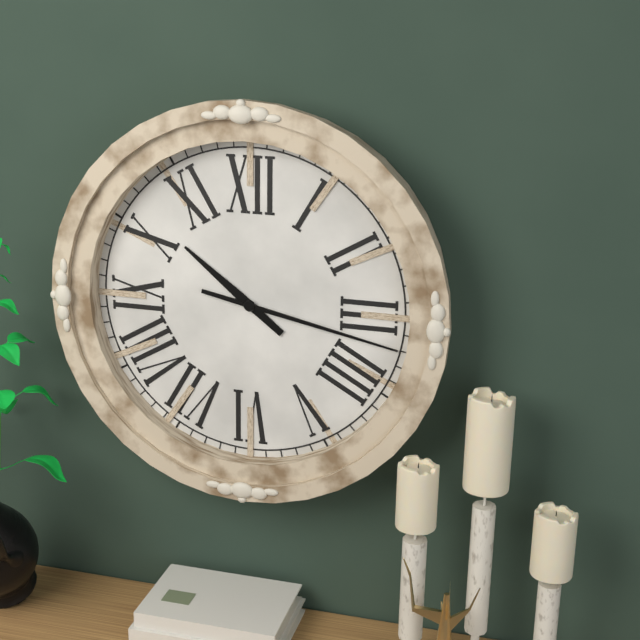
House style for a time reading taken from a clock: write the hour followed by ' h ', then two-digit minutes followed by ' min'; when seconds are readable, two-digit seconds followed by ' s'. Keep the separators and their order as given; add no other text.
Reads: 10 h 17 min
